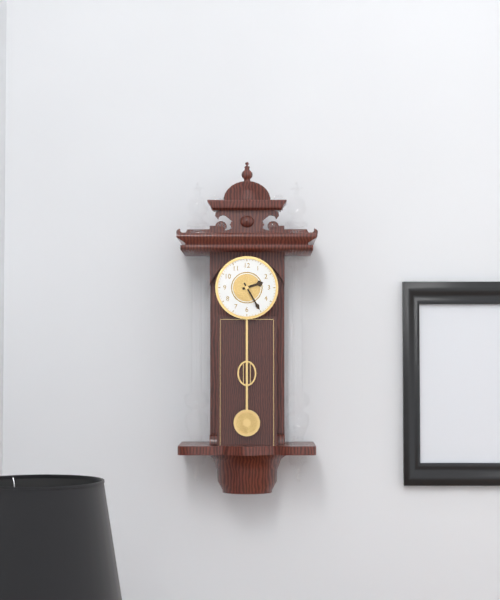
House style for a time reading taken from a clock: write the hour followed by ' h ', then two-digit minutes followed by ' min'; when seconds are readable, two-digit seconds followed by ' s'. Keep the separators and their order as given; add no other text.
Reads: 2 h 25 min
